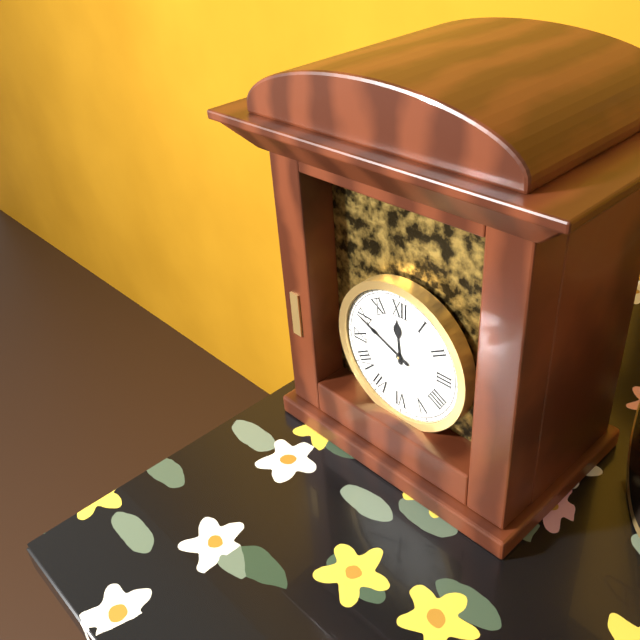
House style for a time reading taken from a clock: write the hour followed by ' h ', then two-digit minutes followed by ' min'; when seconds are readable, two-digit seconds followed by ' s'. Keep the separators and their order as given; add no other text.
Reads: 11 h 49 min
